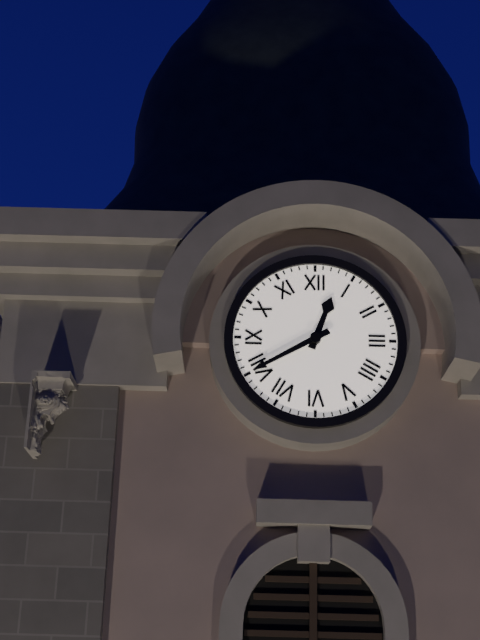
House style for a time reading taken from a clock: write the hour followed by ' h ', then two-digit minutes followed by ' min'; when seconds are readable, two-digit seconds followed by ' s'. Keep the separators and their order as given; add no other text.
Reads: 12 h 40 min
